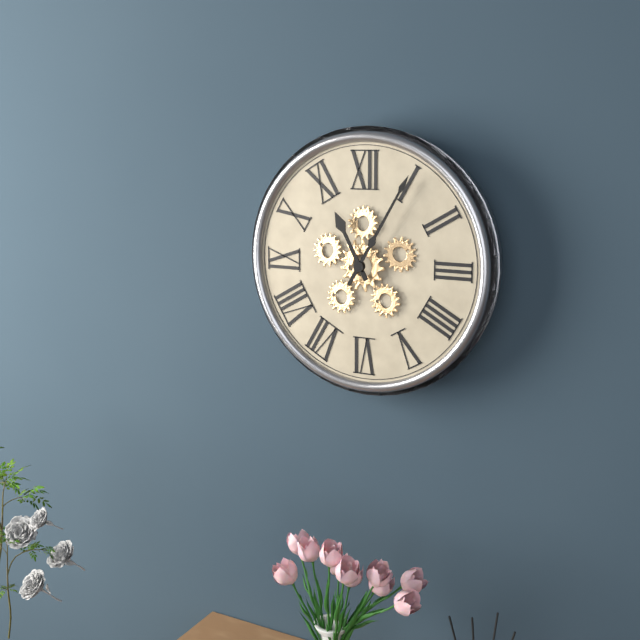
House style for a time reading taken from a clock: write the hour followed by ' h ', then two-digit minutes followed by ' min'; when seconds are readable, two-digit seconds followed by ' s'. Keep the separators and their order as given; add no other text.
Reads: 11 h 05 min
